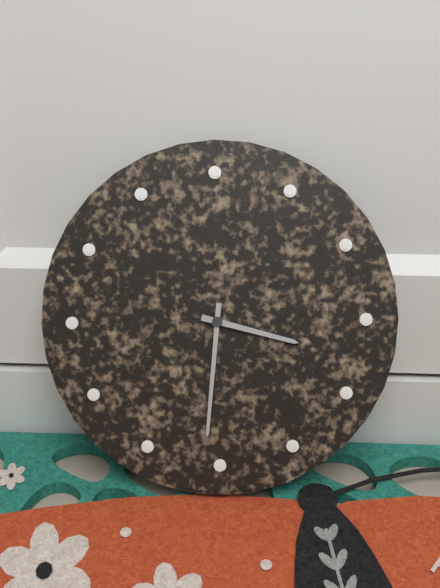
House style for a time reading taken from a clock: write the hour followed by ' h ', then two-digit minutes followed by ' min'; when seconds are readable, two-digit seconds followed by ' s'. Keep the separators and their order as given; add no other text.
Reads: 3 h 31 min
